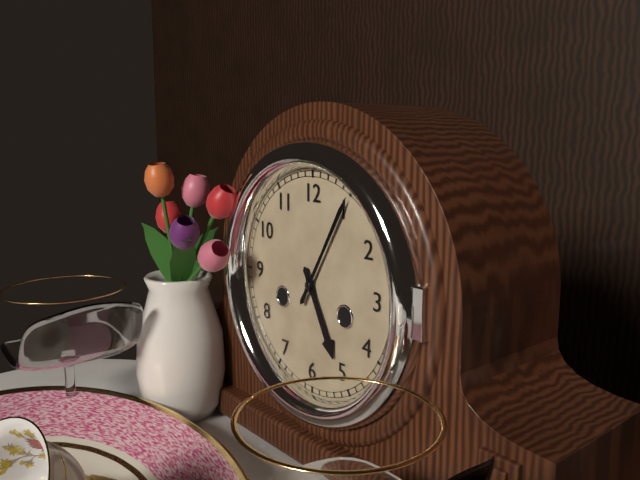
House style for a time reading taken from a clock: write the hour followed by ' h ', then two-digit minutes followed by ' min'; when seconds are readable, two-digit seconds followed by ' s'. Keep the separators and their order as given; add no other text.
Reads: 5 h 05 min
